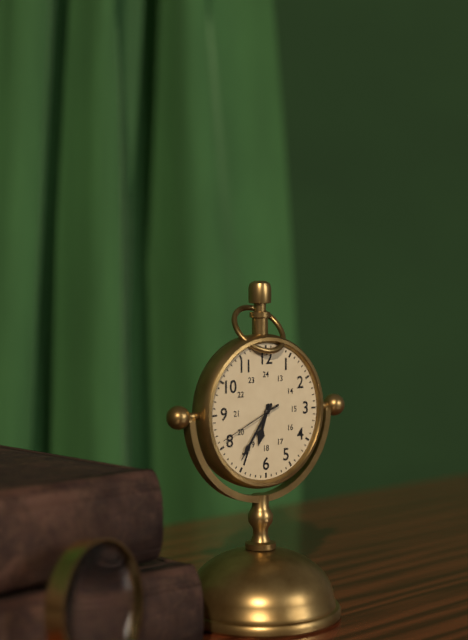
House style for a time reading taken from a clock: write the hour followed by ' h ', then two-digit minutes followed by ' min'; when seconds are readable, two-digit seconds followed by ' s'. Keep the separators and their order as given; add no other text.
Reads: 6 h 36 min 41 s
